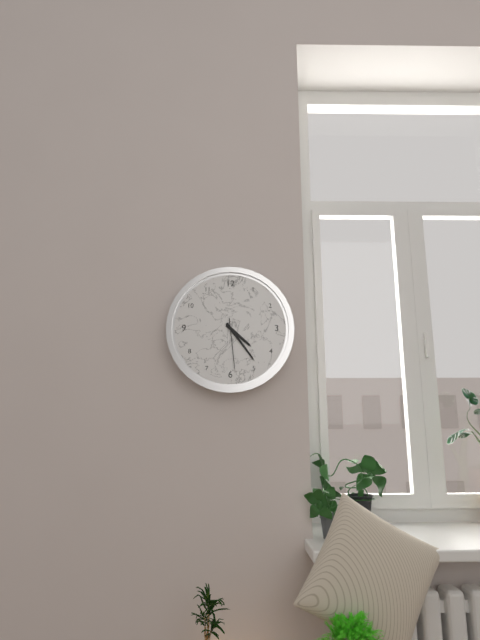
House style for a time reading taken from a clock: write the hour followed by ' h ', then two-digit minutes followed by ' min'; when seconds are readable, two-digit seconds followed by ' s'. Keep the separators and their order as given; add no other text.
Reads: 4 h 24 min 29 s
